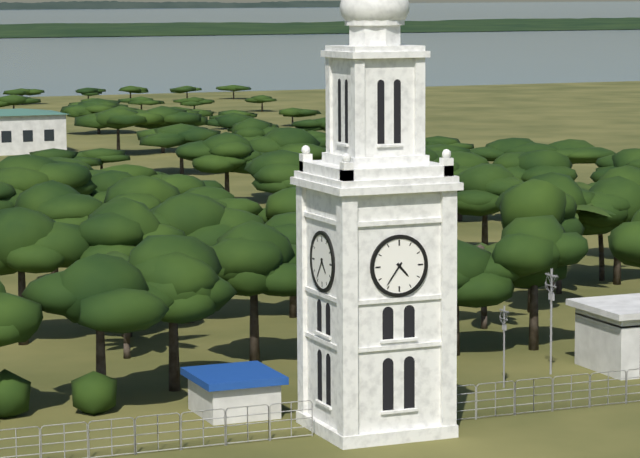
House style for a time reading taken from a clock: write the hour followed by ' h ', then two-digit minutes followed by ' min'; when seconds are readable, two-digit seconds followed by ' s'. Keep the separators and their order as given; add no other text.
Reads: 4 h 36 min
